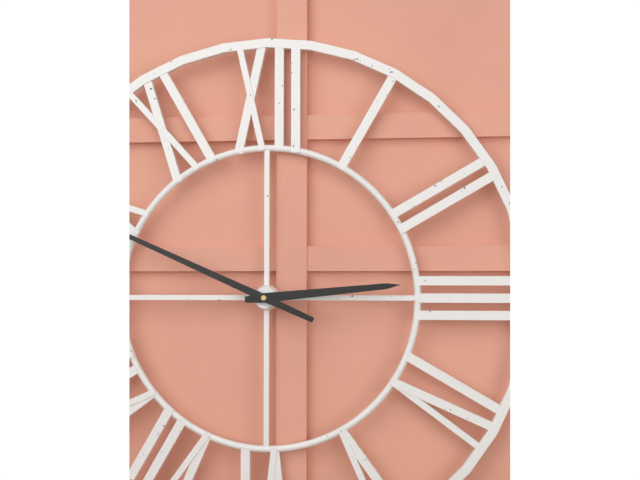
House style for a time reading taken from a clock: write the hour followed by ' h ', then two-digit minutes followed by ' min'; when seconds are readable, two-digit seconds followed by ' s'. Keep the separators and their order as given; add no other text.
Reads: 2 h 49 min
